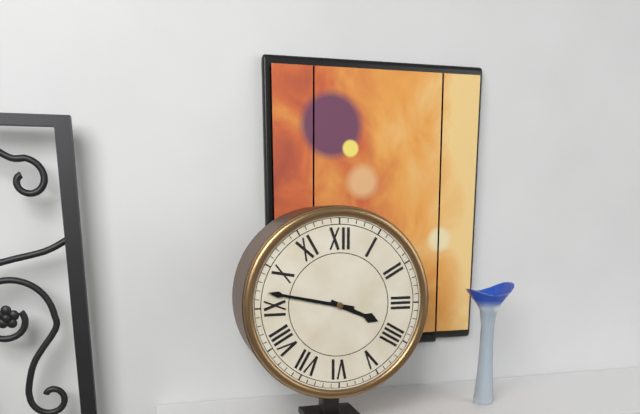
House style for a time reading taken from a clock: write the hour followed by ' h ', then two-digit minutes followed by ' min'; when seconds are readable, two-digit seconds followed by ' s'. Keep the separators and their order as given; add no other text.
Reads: 3 h 47 min
